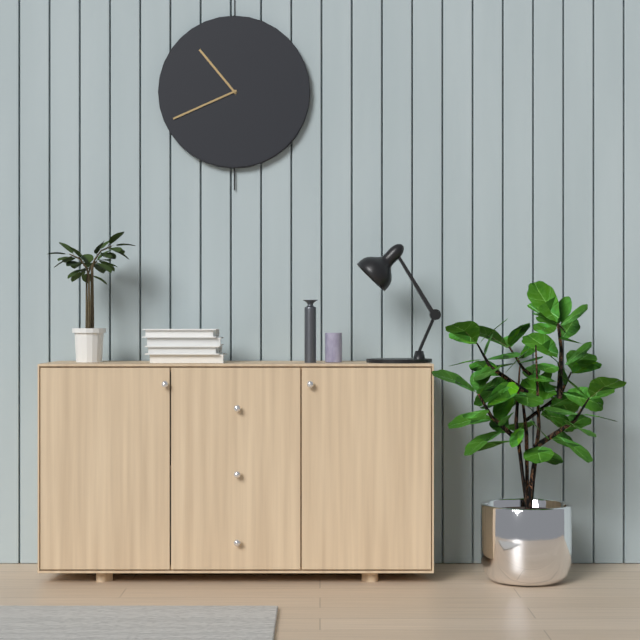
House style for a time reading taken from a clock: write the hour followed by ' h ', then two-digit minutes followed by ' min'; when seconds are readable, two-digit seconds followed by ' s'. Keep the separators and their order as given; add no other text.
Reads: 10 h 41 min
